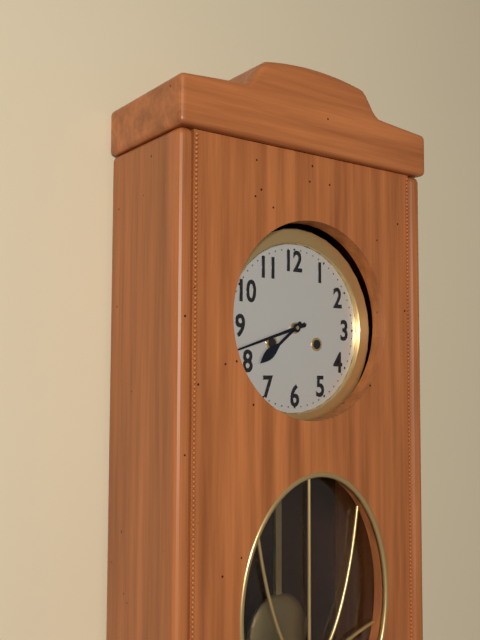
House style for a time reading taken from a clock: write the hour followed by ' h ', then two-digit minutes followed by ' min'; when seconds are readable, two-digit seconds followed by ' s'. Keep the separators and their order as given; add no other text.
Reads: 7 h 42 min
